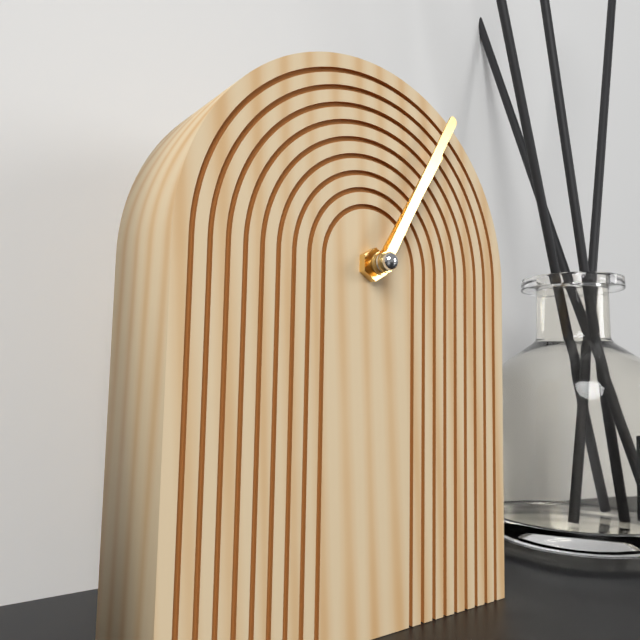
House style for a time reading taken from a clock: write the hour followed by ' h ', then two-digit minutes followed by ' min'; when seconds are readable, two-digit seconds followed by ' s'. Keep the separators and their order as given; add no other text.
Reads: 1 h 05 min
